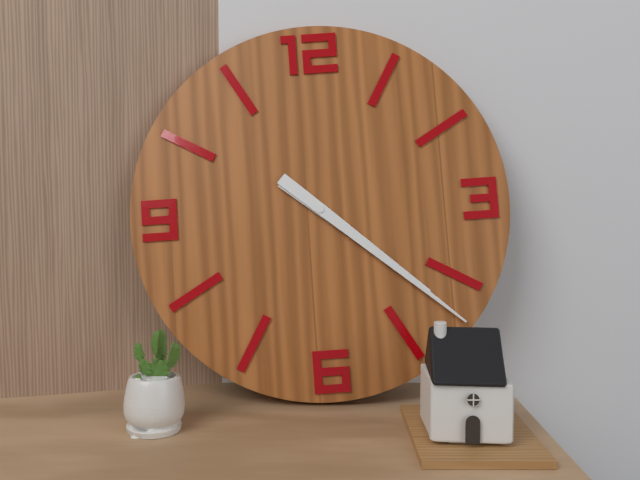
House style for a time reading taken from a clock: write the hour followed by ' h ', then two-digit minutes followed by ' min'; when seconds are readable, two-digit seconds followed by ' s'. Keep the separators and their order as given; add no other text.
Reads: 4 h 22 min
